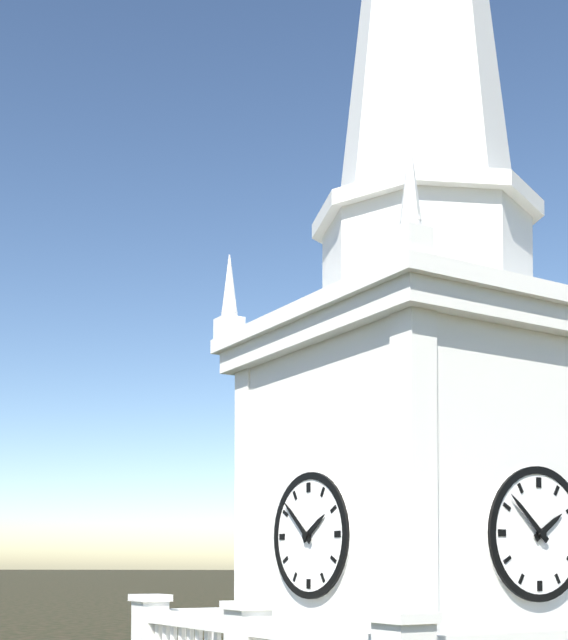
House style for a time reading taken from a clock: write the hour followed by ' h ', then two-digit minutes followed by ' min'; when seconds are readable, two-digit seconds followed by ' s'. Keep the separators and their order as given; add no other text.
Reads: 1 h 52 min
